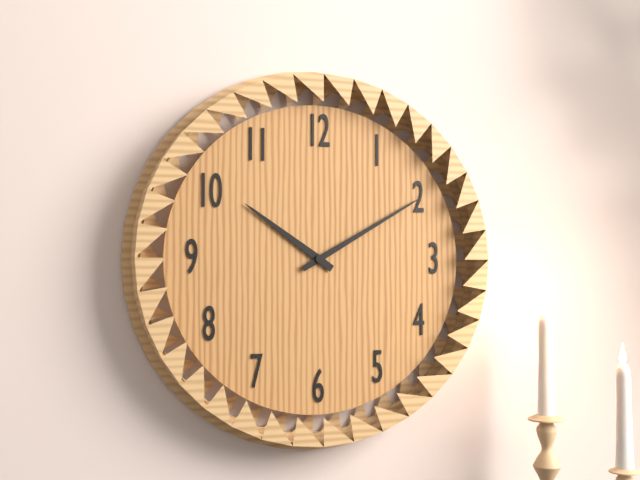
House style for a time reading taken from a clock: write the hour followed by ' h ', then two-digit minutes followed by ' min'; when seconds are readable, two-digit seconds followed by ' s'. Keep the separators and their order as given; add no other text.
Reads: 10 h 10 min
